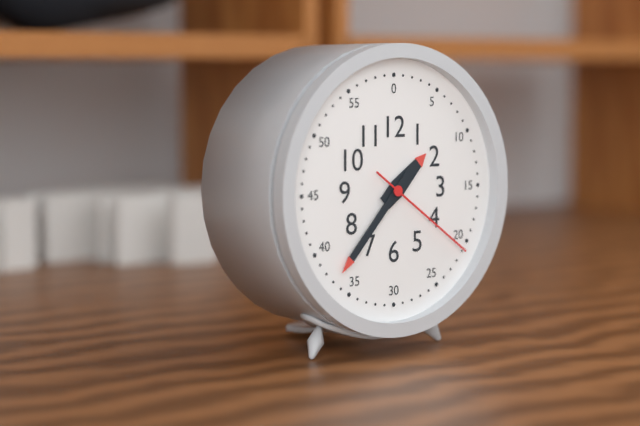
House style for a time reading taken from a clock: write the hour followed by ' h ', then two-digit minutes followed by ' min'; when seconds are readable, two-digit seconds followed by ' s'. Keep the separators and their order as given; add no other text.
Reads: 1 h 37 min 21 s
